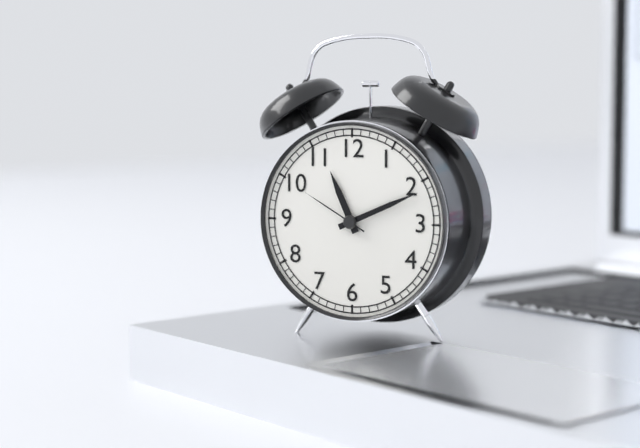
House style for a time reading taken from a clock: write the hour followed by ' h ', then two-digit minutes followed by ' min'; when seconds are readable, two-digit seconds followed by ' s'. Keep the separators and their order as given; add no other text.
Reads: 11 h 11 min 50 s
